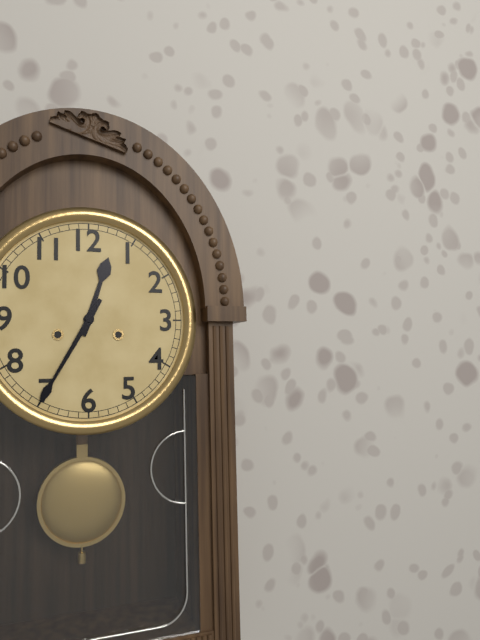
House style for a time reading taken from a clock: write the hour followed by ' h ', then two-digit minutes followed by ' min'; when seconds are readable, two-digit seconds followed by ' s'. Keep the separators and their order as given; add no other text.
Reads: 12 h 35 min
